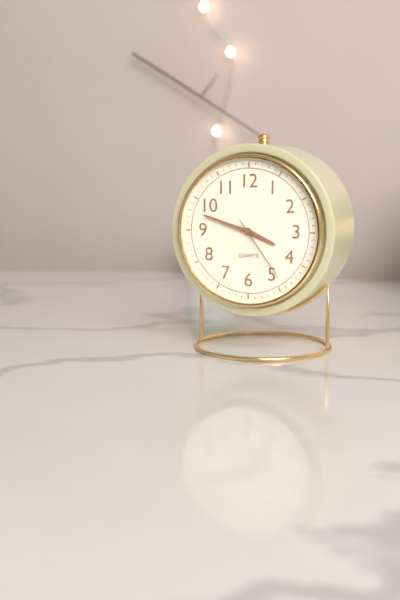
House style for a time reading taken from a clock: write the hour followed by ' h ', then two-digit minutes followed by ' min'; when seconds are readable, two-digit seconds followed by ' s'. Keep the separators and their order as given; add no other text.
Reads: 3 h 48 min 24 s
